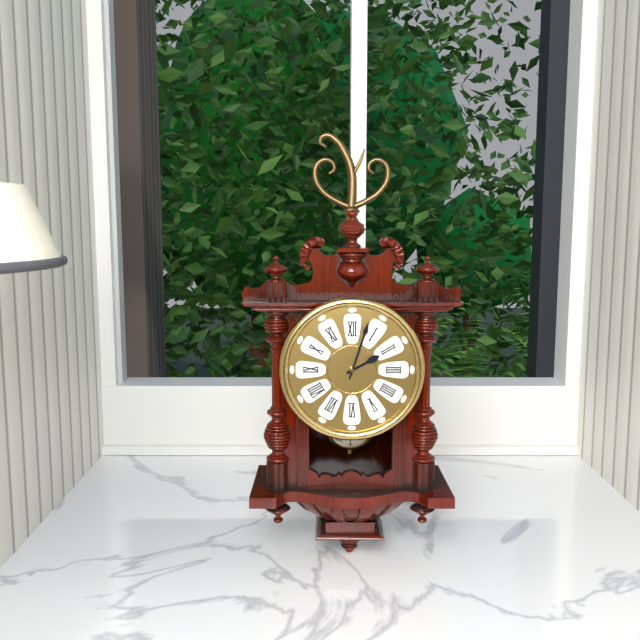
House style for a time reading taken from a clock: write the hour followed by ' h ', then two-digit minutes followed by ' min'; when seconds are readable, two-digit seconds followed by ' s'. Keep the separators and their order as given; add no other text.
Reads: 2 h 03 min
